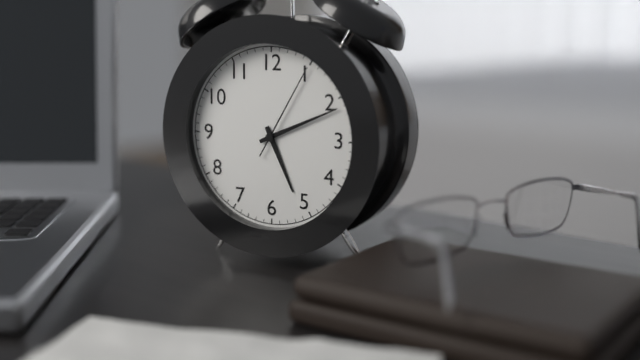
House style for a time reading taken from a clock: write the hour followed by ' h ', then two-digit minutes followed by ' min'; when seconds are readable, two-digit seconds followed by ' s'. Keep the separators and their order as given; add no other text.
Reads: 5 h 11 min 05 s
